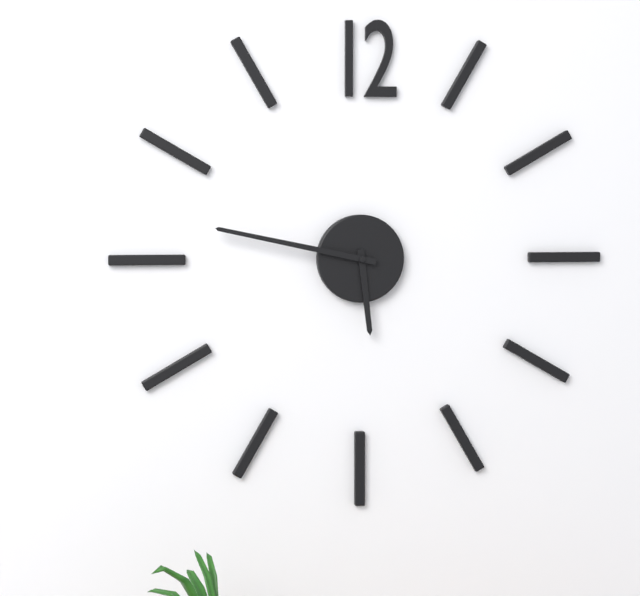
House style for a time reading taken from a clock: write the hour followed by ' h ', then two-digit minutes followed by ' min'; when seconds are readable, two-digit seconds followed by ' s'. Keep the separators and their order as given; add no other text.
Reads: 5 h 47 min
